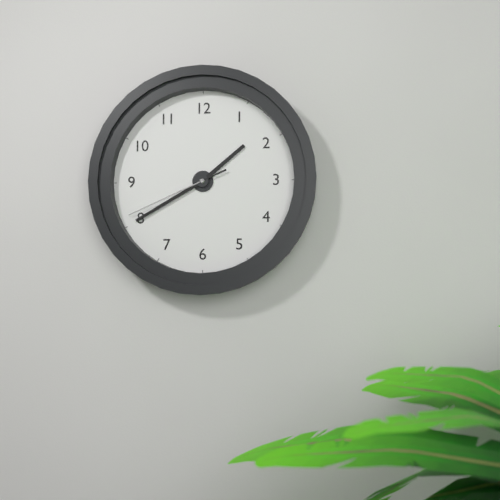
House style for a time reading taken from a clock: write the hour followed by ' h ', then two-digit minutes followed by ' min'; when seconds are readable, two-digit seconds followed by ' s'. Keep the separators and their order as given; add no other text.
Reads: 1 h 40 min 41 s
